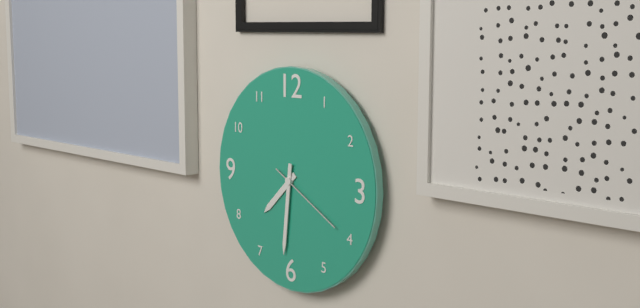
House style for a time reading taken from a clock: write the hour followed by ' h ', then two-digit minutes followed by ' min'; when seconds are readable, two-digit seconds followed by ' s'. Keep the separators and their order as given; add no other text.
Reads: 7 h 31 min 20 s
